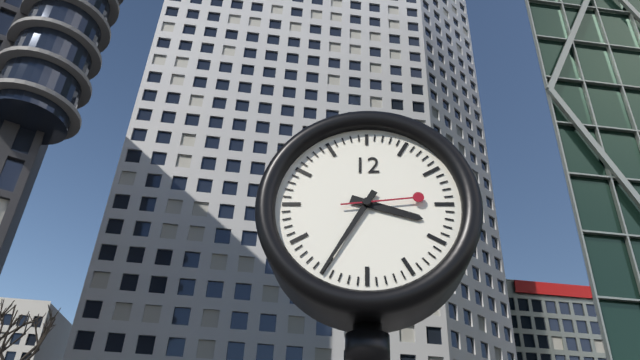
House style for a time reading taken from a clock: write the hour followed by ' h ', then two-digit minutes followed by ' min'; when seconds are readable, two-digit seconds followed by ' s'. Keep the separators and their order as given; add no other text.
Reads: 3 h 35 min 14 s
